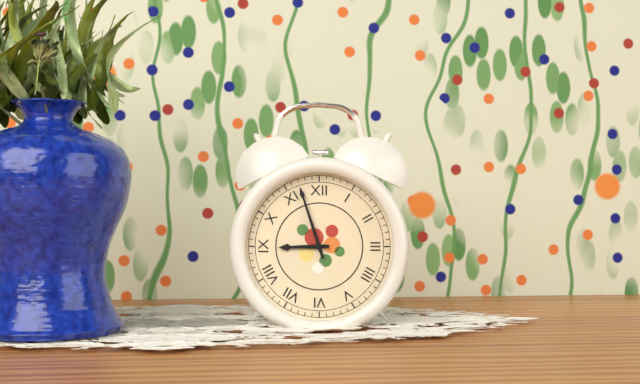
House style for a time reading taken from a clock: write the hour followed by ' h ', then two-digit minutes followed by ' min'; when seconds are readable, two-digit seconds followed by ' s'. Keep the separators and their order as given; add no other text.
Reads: 8 h 57 min
